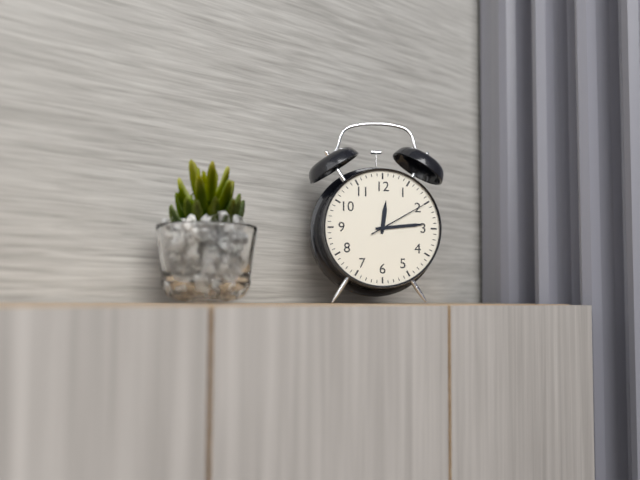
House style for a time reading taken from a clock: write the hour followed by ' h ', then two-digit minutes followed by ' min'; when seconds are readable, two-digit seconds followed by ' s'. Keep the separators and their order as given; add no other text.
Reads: 12 h 14 min 10 s
